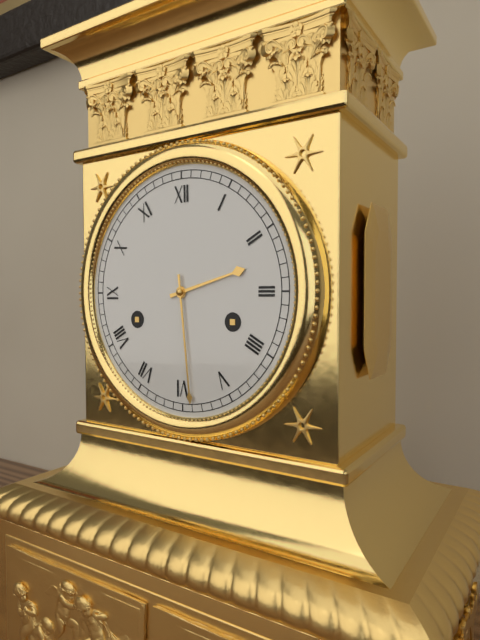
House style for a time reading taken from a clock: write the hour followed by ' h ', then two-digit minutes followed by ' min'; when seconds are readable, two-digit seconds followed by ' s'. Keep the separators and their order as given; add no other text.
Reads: 2 h 29 min
